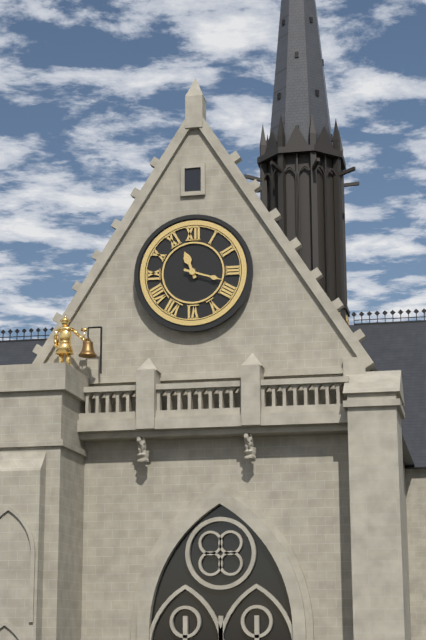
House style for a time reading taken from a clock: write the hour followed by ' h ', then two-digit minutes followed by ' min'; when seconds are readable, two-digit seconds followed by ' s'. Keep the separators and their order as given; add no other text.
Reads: 11 h 18 min
